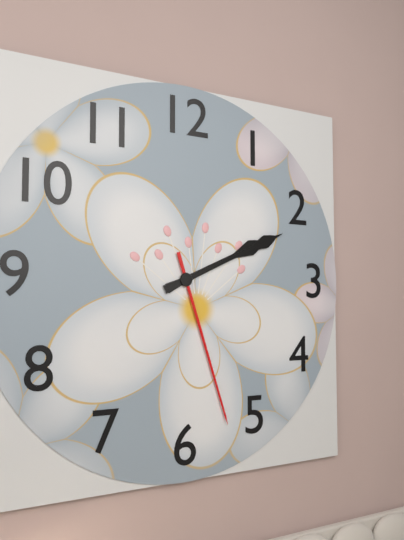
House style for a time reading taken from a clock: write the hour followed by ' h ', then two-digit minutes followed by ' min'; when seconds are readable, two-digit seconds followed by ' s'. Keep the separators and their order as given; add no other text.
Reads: 2 h 11 min 27 s
